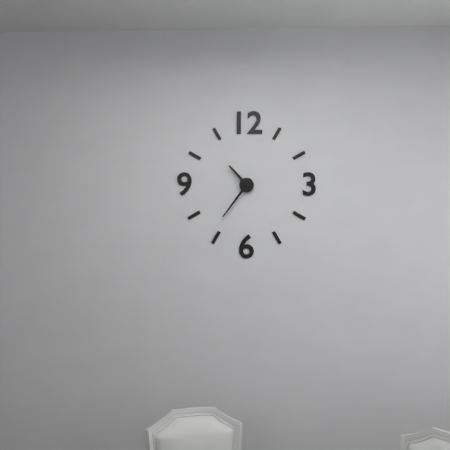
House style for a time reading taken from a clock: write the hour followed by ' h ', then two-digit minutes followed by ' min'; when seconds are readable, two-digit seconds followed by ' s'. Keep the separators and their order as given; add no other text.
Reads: 10 h 36 min
